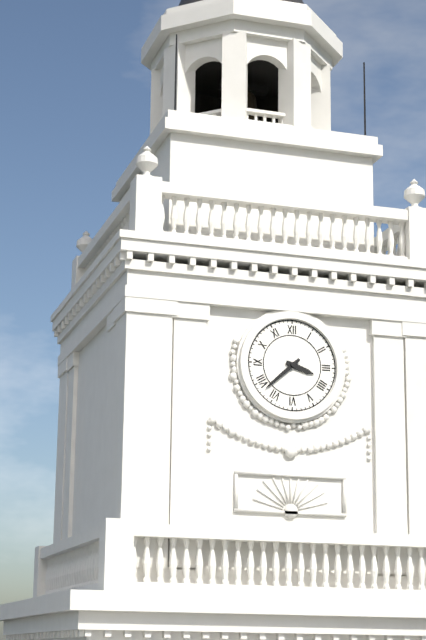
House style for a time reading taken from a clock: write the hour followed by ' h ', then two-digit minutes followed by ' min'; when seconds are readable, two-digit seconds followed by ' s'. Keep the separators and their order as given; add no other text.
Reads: 3 h 38 min
